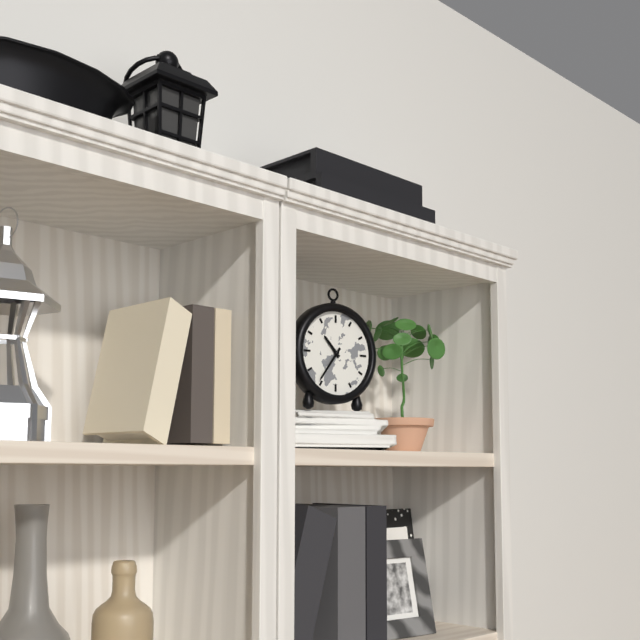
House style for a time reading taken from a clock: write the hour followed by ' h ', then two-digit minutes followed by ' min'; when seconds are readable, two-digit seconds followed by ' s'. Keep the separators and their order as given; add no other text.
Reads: 10 h 36 min
